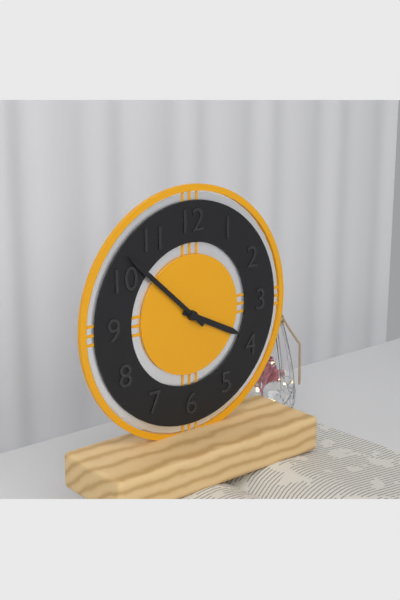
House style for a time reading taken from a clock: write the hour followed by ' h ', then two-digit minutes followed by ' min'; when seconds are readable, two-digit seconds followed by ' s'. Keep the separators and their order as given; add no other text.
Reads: 3 h 52 min
